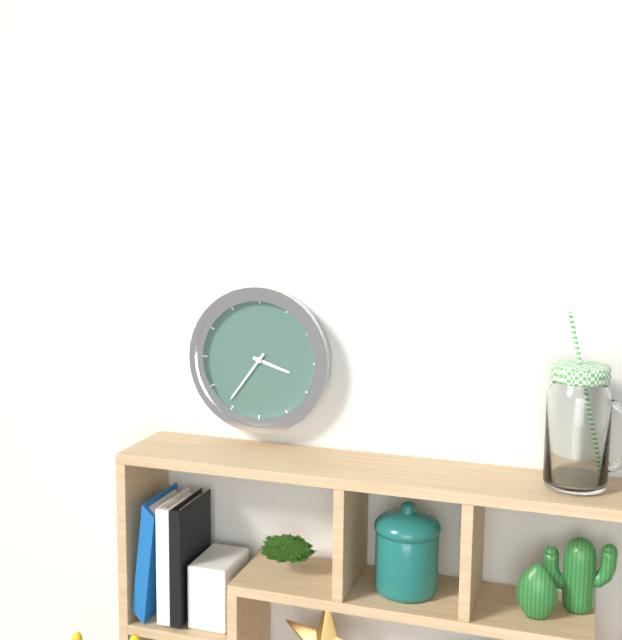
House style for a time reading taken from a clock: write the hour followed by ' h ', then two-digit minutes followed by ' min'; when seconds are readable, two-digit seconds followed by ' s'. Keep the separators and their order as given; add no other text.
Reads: 3 h 36 min
